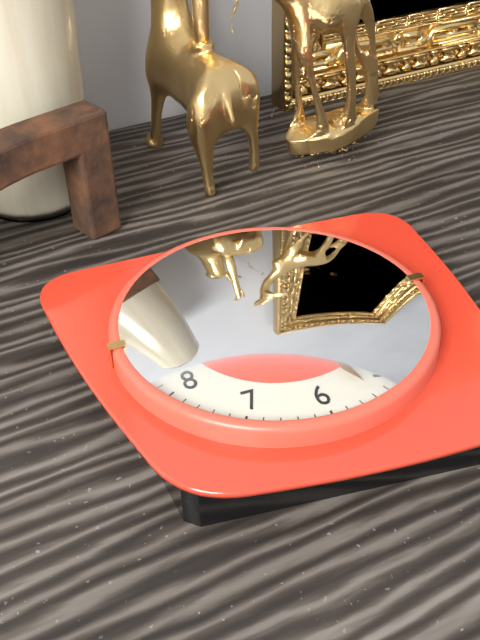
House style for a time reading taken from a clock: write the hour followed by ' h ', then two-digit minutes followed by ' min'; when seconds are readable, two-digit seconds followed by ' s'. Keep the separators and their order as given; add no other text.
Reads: 8 h 27 min 53 s
